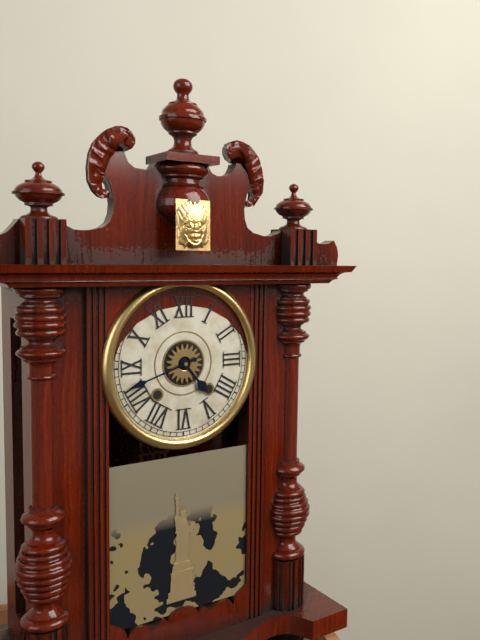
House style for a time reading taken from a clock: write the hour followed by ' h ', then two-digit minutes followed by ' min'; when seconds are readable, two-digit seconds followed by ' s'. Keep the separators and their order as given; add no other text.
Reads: 4 h 42 min
